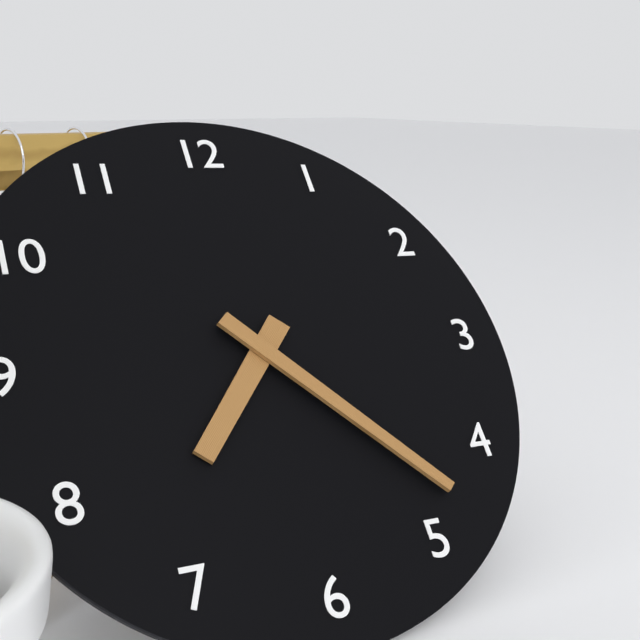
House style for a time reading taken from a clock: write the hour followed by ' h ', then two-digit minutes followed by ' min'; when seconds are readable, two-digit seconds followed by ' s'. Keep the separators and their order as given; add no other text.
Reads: 7 h 23 min
